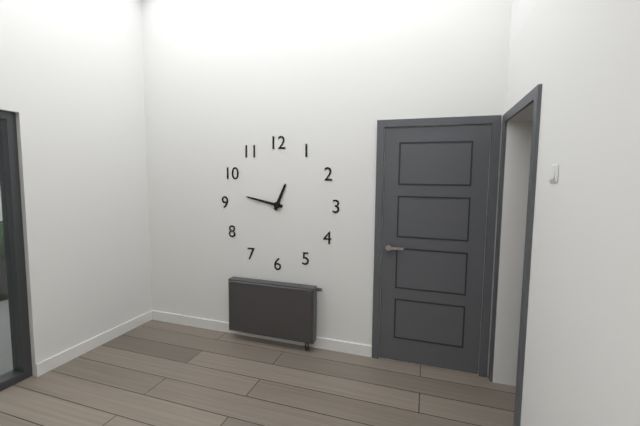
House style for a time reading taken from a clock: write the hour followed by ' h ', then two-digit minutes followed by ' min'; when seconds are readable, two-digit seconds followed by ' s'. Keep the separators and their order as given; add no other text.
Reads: 12 h 47 min
